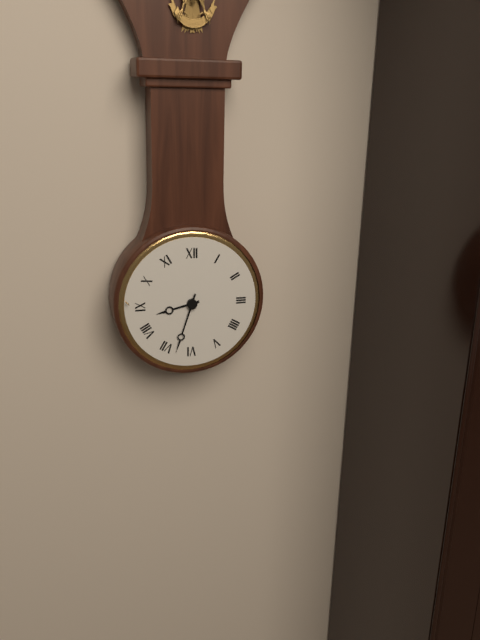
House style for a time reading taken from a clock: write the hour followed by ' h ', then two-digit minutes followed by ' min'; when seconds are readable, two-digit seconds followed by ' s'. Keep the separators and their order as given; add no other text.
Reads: 8 h 33 min
